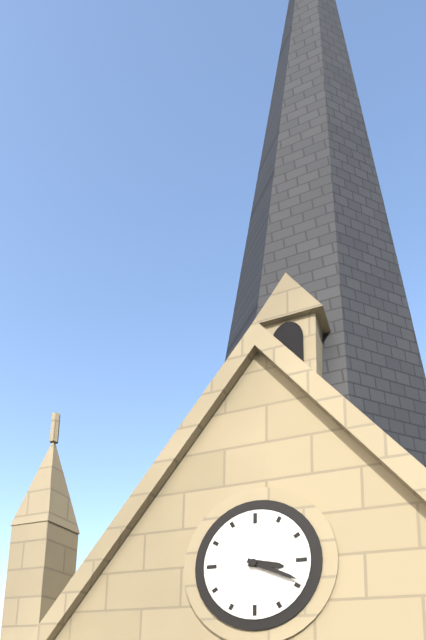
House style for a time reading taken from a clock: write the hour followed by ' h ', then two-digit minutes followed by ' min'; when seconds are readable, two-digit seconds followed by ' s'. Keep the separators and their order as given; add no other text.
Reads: 3 h 19 min
